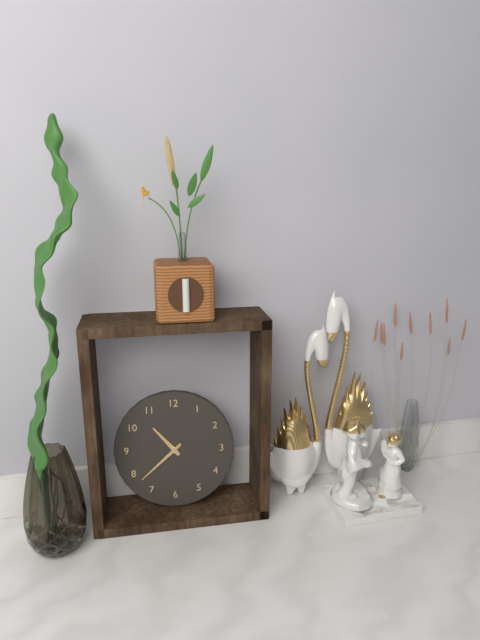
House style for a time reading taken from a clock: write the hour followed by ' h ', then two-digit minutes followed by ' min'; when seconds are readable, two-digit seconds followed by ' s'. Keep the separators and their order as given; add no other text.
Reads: 10 h 38 min
